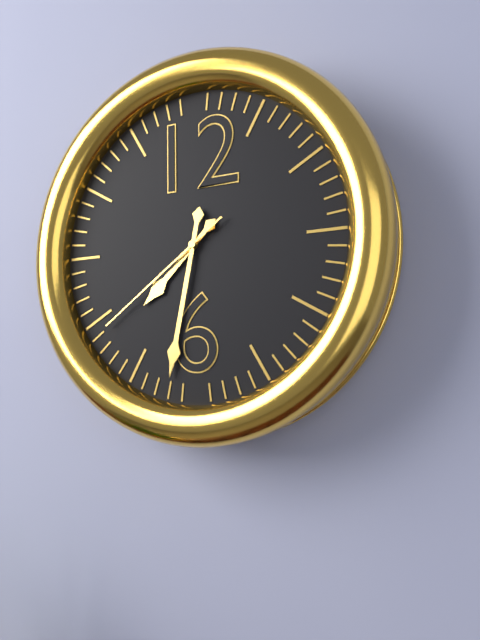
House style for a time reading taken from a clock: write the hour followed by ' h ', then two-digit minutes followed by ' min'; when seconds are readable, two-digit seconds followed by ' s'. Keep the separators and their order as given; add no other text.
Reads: 7 h 32 min 39 s
